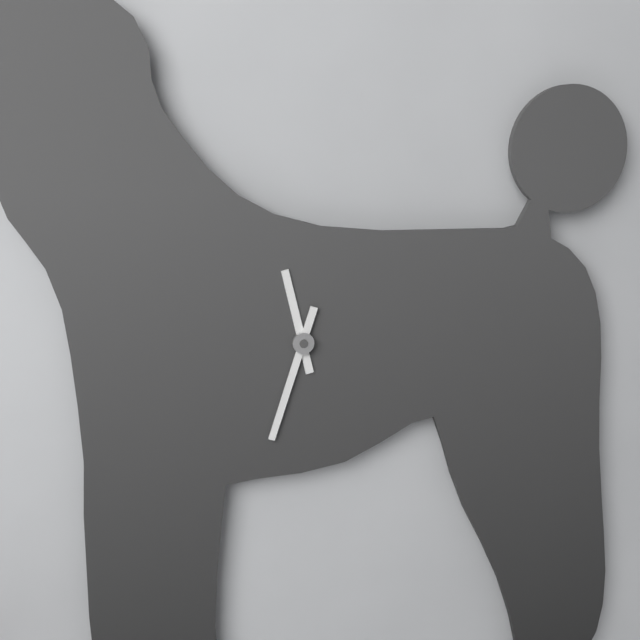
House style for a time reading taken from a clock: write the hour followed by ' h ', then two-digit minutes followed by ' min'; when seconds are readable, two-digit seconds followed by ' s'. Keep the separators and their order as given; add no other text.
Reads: 11 h 33 min
